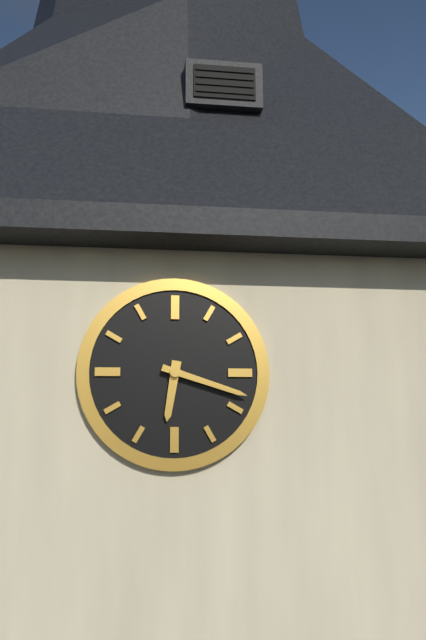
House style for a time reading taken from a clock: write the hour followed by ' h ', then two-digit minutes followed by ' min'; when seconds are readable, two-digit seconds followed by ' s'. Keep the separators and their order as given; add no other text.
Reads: 6 h 18 min
